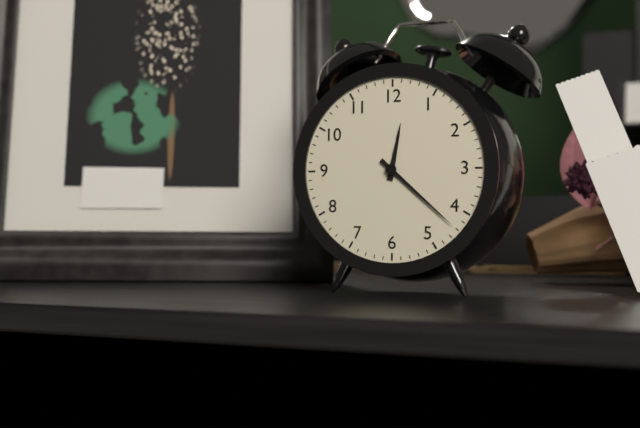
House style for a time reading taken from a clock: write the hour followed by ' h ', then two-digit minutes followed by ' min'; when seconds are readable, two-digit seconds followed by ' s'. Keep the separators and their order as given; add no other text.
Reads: 12 h 22 min
